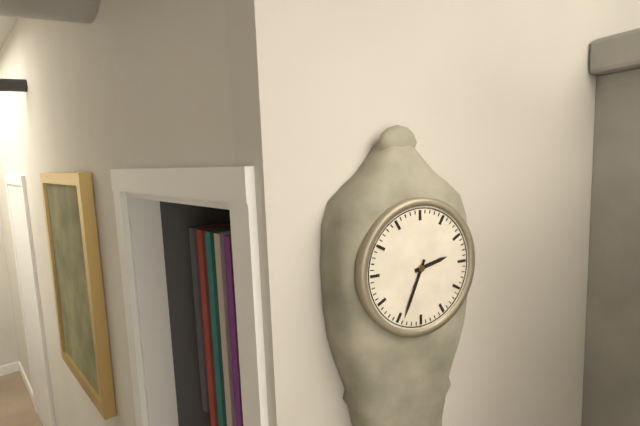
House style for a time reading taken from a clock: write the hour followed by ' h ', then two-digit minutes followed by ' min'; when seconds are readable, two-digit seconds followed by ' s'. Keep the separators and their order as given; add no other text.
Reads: 2 h 34 min
